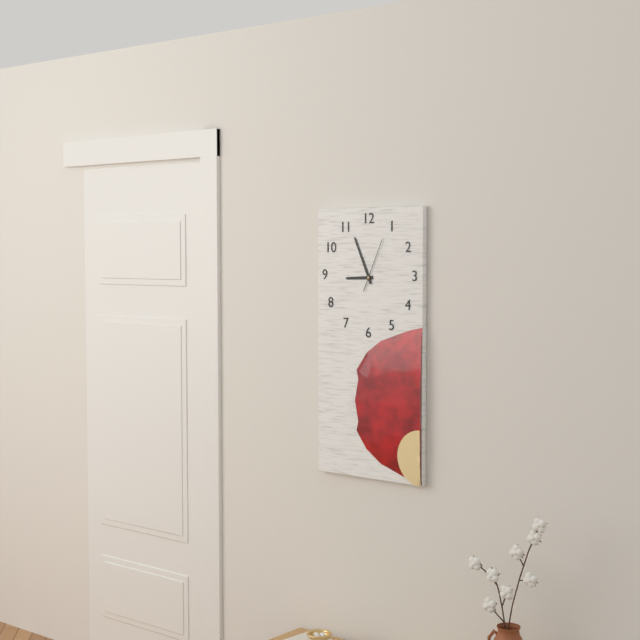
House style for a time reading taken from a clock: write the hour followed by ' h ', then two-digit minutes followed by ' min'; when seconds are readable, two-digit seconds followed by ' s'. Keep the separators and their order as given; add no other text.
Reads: 8 h 56 min 04 s
